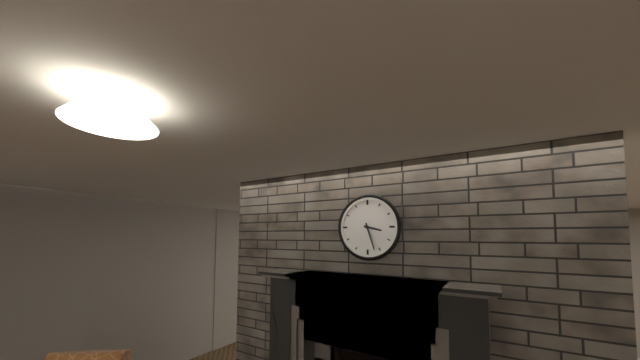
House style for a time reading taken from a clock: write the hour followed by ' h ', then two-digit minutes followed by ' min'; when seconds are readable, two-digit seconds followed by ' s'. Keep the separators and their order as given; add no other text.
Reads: 3 h 27 min
